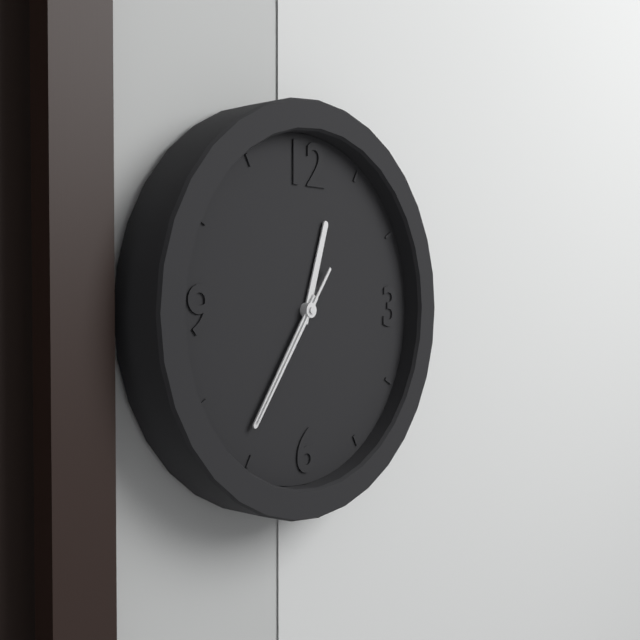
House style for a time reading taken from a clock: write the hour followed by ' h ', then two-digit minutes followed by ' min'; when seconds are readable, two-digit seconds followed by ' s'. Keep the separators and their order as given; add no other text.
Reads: 12 h 36 min 36 s
